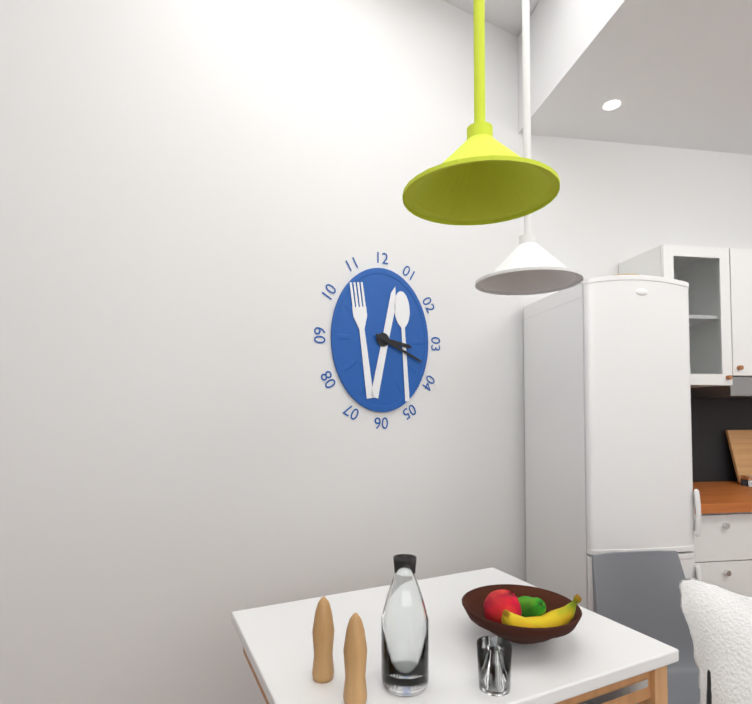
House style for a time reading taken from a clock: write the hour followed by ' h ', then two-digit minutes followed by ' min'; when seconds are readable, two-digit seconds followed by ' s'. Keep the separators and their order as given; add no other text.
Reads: 3 h 19 min
